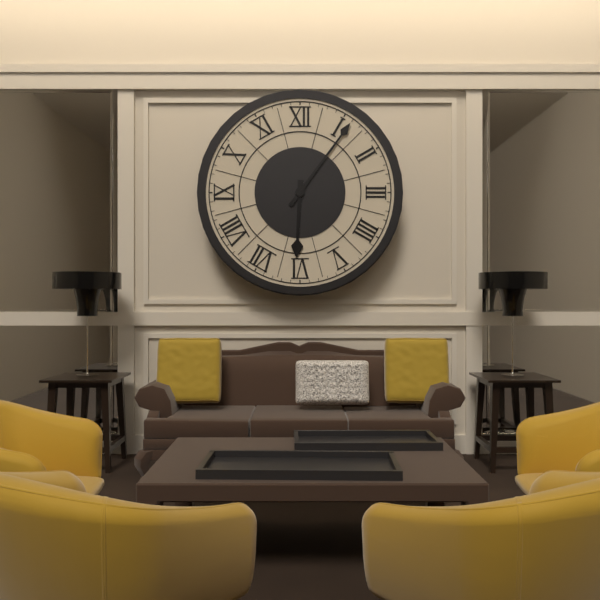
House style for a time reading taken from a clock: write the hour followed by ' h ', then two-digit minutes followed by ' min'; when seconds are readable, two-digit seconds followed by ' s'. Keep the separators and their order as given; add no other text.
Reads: 6 h 06 min
